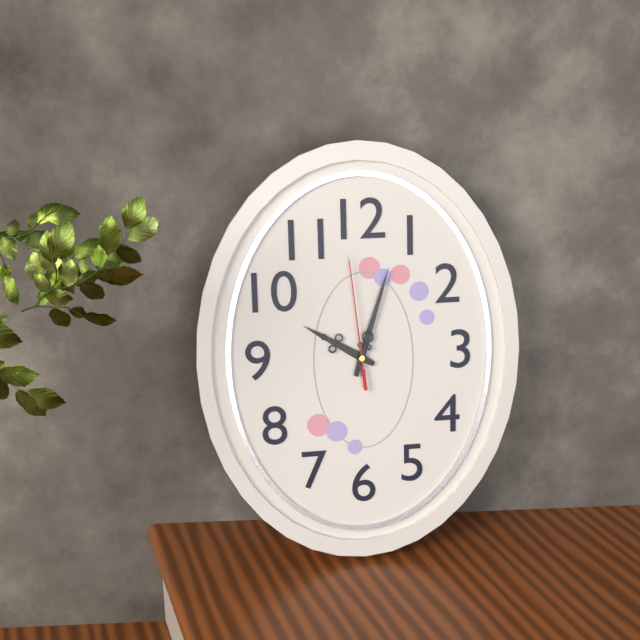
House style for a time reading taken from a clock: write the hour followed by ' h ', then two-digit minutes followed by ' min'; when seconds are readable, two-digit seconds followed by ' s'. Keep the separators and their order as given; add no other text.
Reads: 10 h 03 min 59 s
